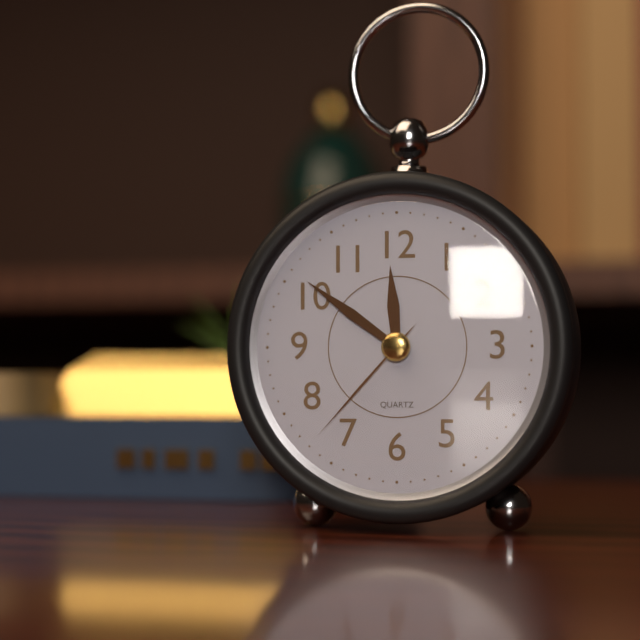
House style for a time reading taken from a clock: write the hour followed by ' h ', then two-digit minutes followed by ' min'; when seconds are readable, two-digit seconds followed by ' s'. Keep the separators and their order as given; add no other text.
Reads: 11 h 51 min 37 s
